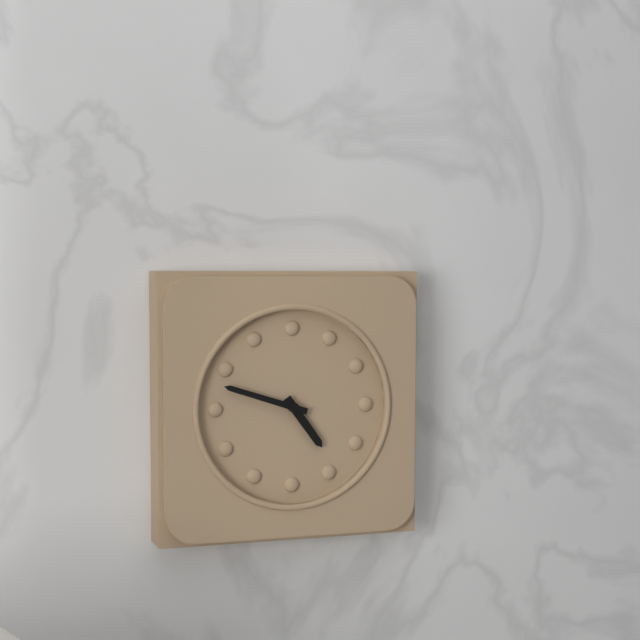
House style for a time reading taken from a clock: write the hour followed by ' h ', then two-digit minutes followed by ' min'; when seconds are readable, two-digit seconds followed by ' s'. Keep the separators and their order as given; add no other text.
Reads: 4 h 48 min
